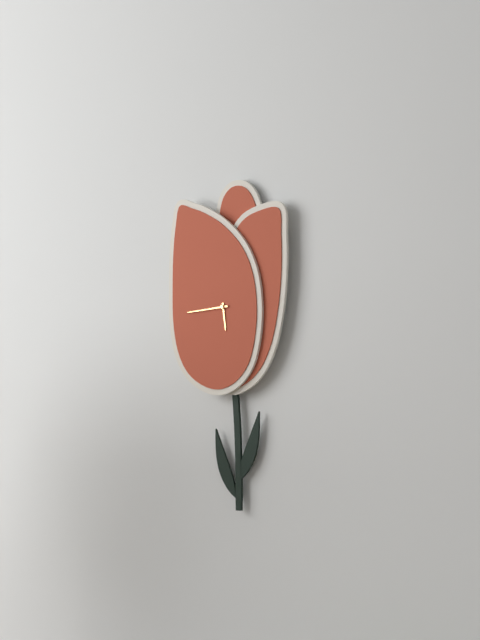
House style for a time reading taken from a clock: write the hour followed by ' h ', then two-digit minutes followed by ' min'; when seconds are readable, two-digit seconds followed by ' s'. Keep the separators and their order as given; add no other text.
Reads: 5 h 44 min
